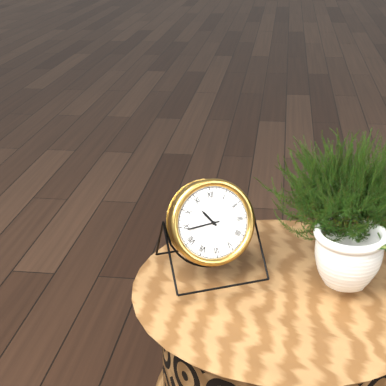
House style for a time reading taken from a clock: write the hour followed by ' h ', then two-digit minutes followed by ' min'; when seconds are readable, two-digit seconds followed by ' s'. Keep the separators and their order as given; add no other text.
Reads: 10 h 44 min
